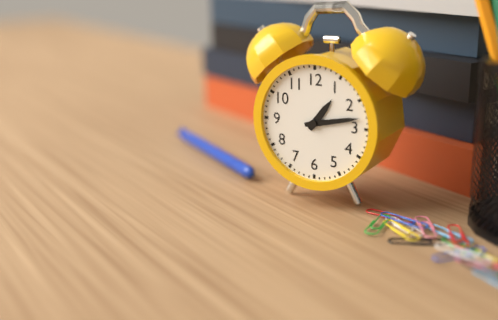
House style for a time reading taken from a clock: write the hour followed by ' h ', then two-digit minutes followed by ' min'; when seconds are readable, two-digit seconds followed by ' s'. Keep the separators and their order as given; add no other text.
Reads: 1 h 13 min
